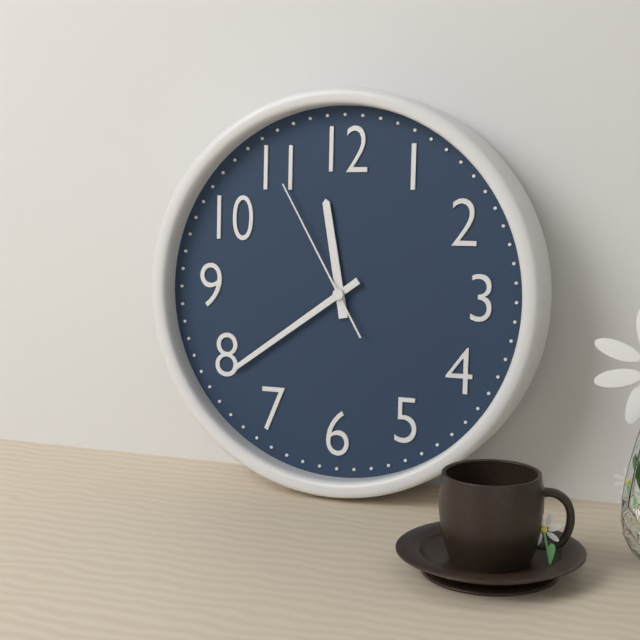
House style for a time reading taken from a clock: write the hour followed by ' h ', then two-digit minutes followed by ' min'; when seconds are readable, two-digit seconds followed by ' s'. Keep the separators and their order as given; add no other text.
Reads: 11 h 39 min 55 s
